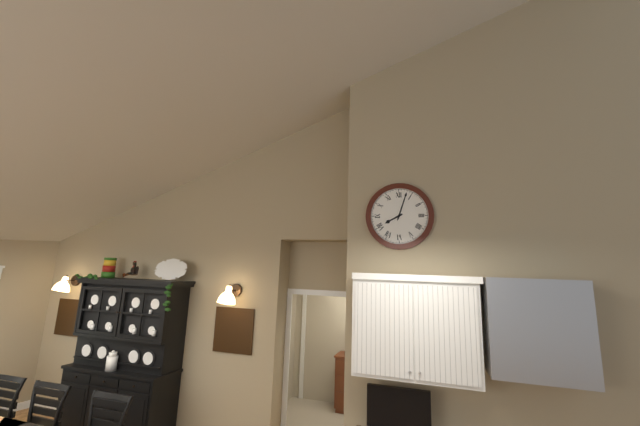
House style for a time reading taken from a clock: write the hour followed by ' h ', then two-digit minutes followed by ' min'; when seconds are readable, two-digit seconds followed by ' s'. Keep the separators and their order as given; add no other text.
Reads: 8 h 03 min
